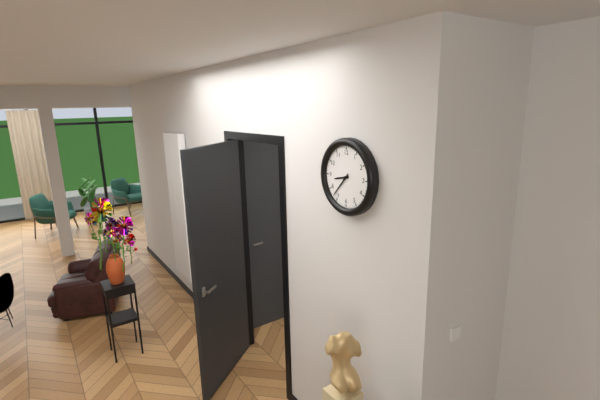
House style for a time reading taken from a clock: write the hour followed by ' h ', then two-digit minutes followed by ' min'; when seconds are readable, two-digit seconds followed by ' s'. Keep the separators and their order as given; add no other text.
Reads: 8 h 37 min
